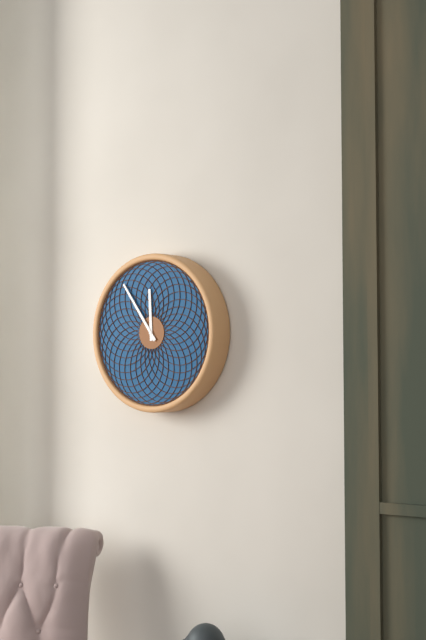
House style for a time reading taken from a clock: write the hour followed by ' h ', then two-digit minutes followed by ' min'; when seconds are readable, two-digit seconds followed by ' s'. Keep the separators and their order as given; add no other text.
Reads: 11 h 54 min
